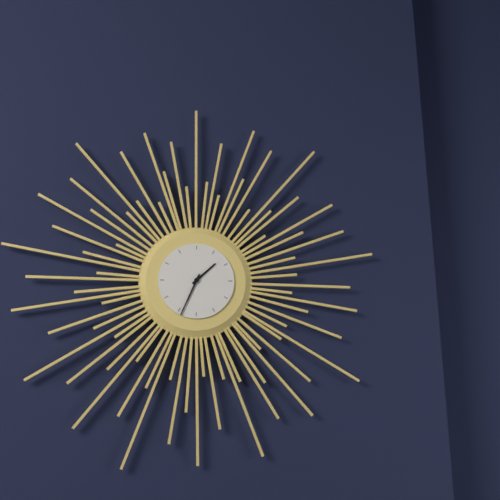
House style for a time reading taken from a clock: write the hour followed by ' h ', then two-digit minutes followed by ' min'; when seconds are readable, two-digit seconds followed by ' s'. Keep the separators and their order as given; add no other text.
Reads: 1 h 34 min
